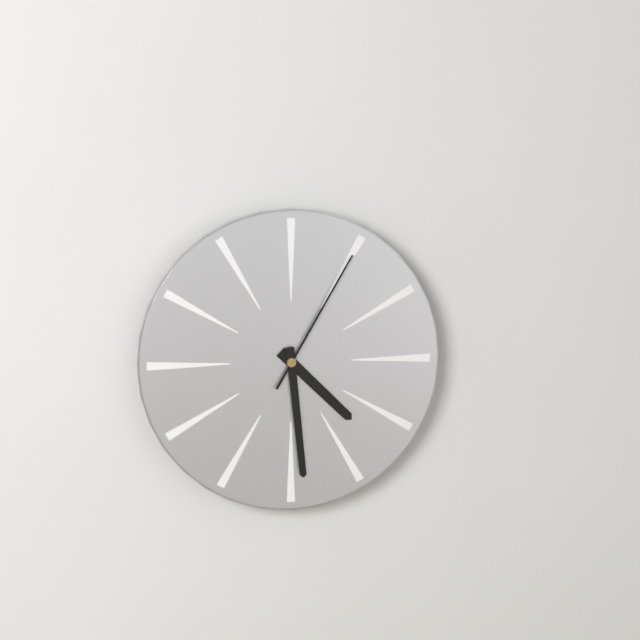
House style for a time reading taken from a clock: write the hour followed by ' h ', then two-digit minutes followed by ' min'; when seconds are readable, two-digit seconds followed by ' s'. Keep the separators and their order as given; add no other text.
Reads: 4 h 29 min 05 s
